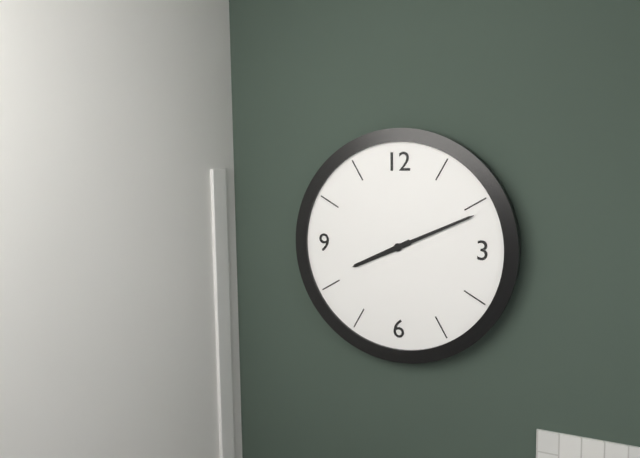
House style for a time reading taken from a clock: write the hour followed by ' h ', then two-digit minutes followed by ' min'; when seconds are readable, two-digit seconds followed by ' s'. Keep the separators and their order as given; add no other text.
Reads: 8 h 11 min
